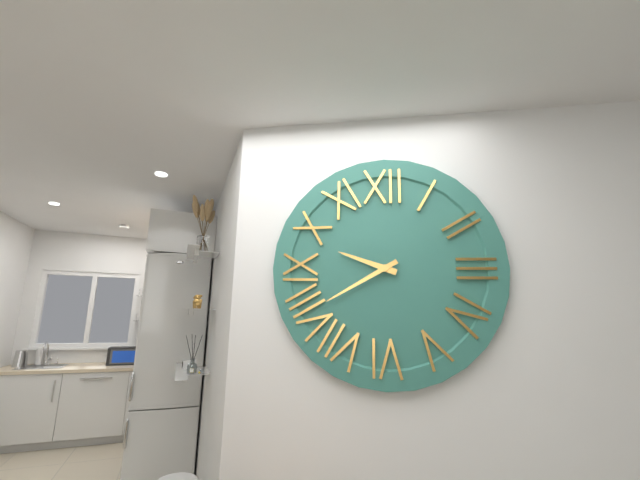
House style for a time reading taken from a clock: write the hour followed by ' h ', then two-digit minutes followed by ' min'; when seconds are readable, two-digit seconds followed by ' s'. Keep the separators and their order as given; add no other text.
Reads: 9 h 40 min
